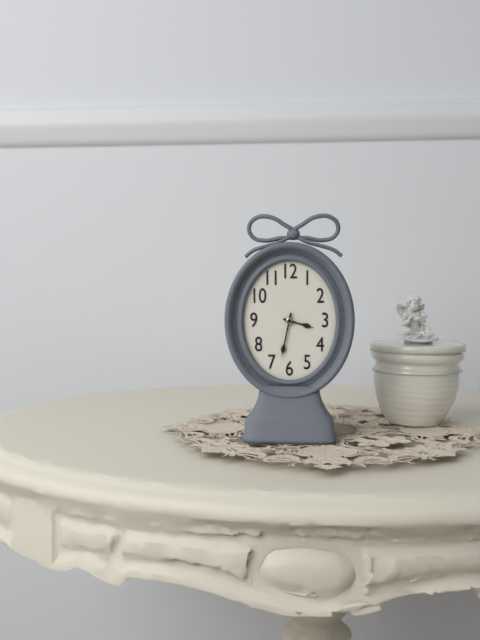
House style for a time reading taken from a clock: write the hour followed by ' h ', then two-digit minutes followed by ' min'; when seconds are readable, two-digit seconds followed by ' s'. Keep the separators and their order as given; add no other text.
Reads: 3 h 32 min
